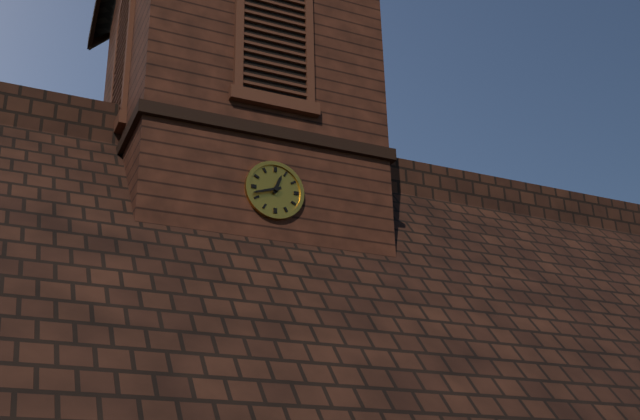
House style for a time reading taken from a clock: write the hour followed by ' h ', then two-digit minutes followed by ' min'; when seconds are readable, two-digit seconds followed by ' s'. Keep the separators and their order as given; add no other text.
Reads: 12 h 42 min
